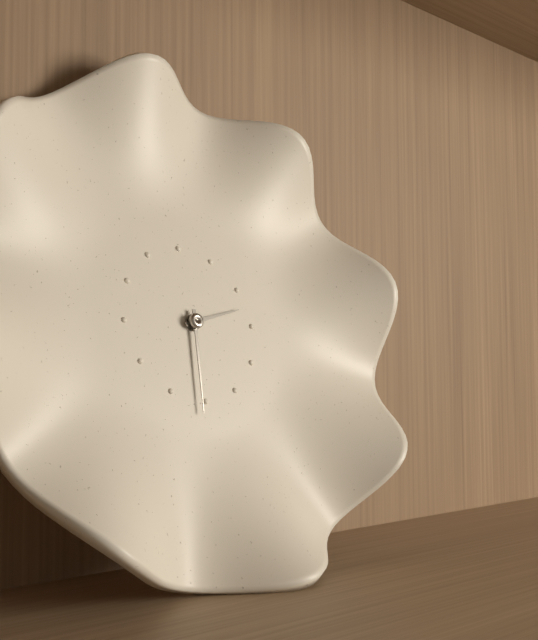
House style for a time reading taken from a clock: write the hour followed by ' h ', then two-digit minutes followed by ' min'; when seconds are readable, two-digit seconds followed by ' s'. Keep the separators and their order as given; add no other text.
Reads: 2 h 31 min
